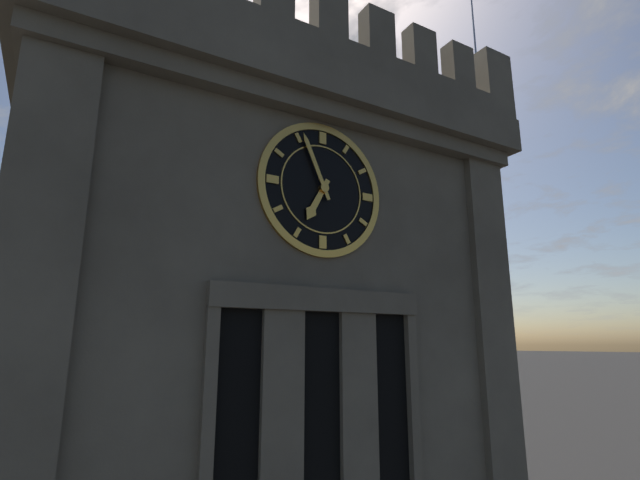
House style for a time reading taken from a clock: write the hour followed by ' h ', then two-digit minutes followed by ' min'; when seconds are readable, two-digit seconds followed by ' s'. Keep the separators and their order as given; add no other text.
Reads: 6 h 56 min
